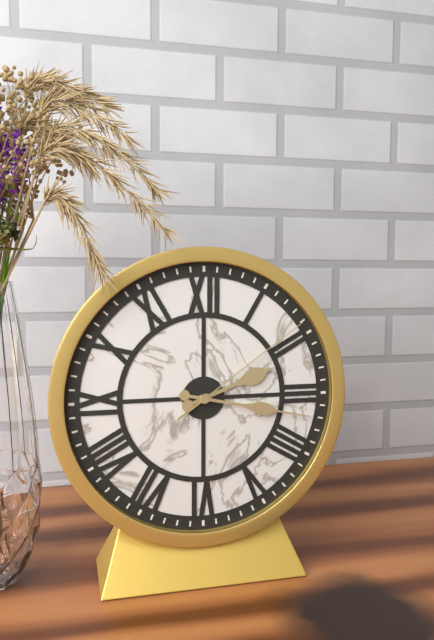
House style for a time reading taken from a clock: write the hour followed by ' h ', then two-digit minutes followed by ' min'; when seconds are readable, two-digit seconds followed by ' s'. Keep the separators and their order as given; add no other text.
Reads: 2 h 17 min 09 s
